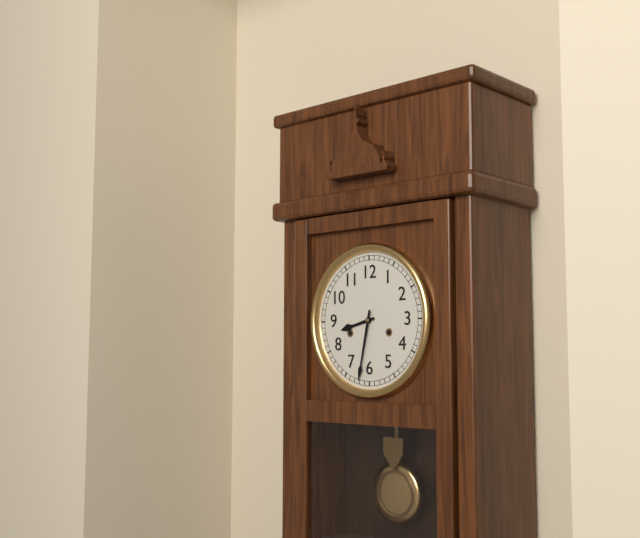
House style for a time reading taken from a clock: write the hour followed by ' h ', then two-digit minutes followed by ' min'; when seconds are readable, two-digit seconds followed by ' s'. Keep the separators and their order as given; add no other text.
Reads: 8 h 32 min
